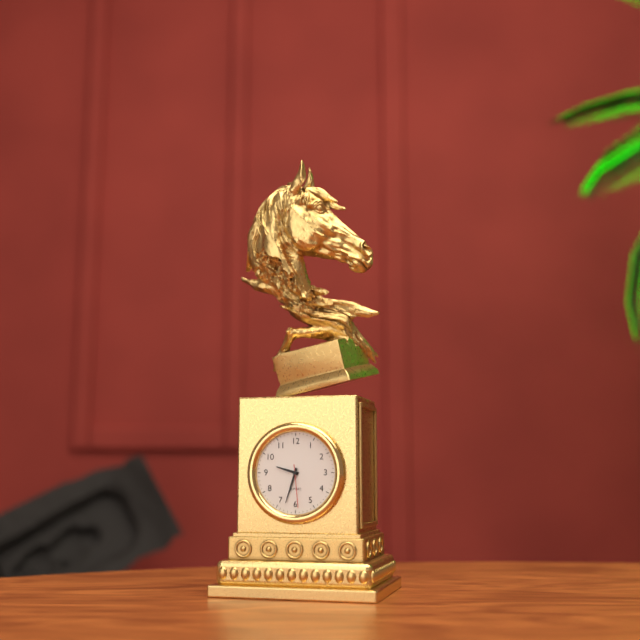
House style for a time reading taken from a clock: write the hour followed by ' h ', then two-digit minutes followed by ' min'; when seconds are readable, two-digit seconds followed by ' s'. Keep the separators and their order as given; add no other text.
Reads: 9 h 33 min
